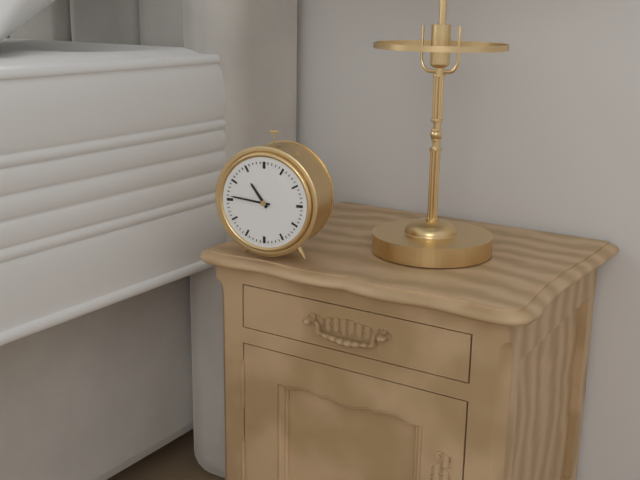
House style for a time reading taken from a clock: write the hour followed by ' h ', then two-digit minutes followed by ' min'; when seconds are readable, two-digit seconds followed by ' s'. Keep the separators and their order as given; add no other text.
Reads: 10 h 46 min
